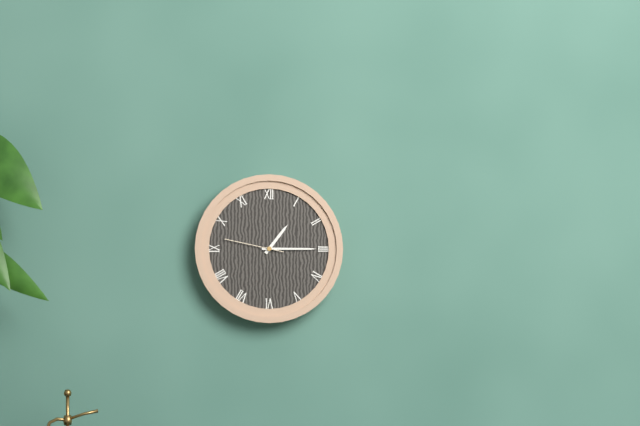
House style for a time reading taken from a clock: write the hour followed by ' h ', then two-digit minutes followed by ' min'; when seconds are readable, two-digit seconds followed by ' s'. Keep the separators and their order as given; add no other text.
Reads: 1 h 15 min 47 s
